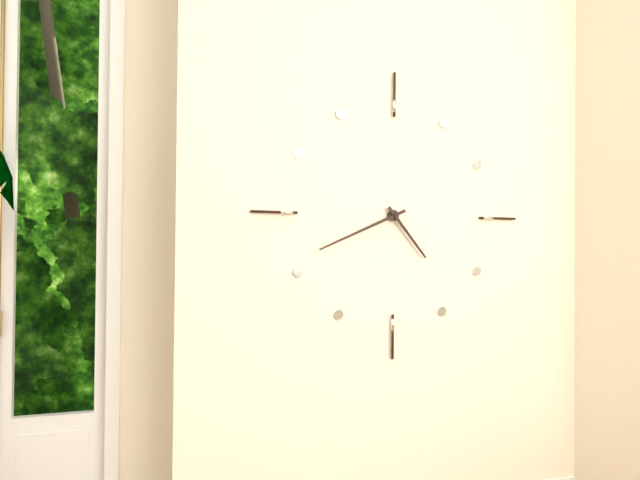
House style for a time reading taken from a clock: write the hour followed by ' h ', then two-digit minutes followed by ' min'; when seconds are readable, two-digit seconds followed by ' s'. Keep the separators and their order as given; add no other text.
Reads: 4 h 41 min
